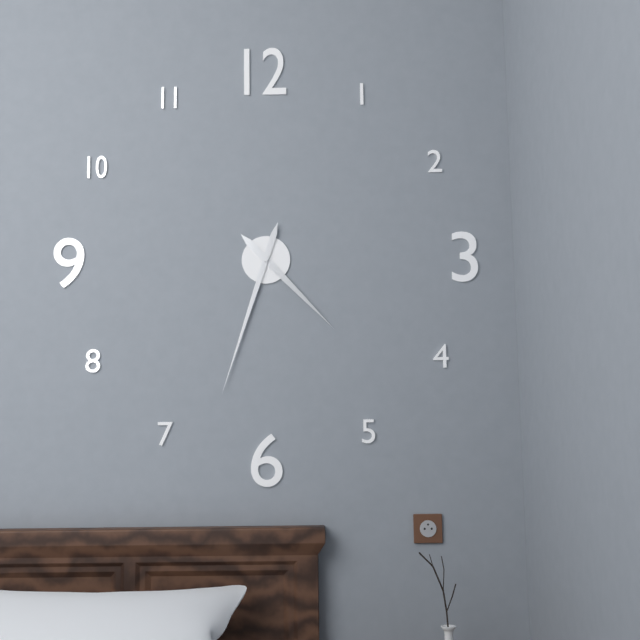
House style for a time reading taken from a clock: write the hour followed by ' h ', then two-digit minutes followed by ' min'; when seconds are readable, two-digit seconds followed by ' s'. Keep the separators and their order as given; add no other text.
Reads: 4 h 33 min
